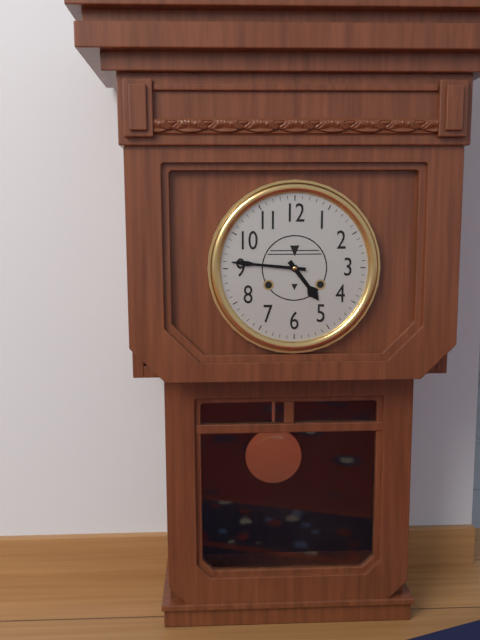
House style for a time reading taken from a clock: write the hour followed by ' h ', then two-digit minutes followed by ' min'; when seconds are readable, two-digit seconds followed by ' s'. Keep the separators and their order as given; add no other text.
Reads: 4 h 46 min
